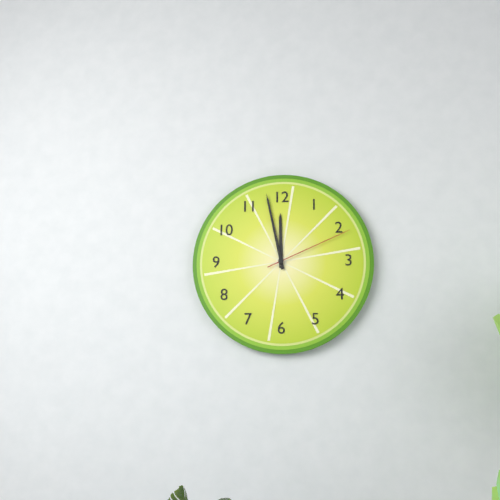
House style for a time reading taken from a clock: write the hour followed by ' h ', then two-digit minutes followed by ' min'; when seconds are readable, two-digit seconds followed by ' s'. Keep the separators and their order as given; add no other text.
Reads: 11 h 58 min 11 s
